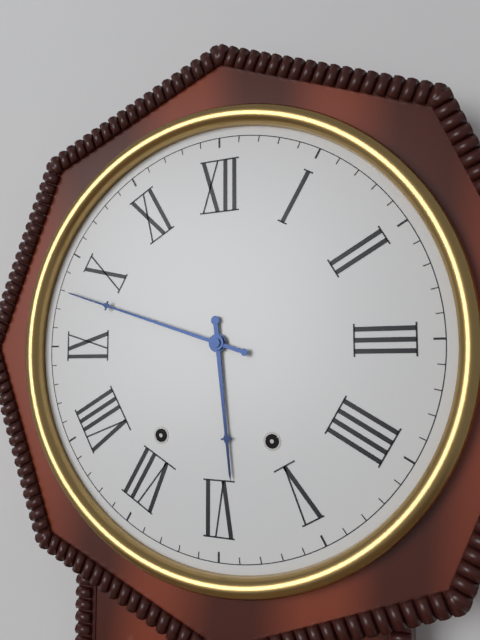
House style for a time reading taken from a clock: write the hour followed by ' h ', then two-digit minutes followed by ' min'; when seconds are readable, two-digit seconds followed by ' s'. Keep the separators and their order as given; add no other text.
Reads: 5 h 48 min
